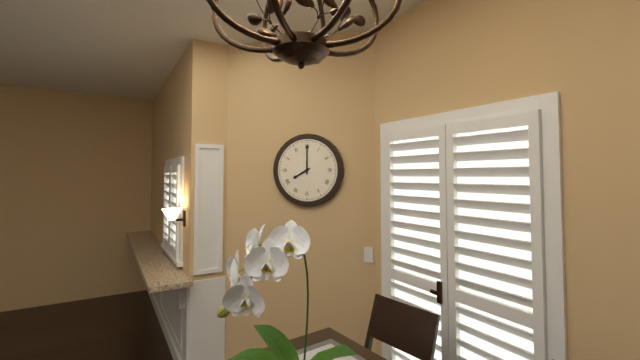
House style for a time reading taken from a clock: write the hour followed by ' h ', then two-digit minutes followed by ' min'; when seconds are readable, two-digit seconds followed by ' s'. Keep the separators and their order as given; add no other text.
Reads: 8 h 00 min
